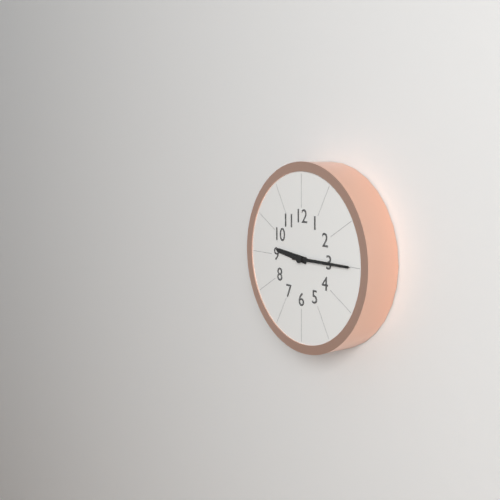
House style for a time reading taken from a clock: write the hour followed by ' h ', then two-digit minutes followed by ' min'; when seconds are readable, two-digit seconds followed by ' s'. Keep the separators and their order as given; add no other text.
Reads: 9 h 15 min
